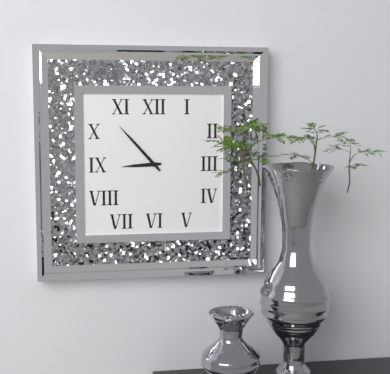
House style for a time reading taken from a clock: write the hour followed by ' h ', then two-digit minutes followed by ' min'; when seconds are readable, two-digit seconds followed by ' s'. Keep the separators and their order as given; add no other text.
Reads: 8 h 53 min
